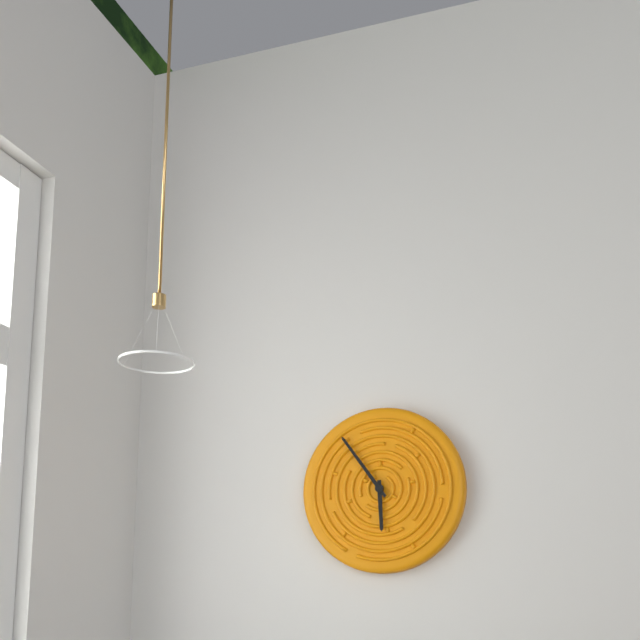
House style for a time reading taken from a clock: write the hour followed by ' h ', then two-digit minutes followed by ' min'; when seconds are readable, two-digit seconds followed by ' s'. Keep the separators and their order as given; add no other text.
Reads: 5 h 54 min
